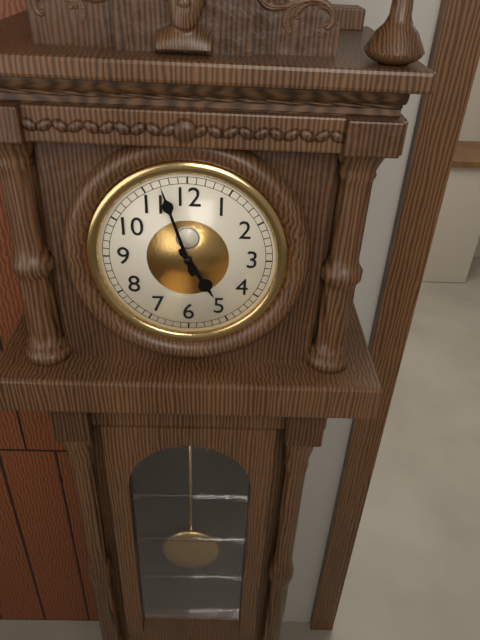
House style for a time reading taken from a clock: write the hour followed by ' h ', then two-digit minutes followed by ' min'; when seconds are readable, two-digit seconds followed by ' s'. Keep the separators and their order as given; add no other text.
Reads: 4 h 57 min
